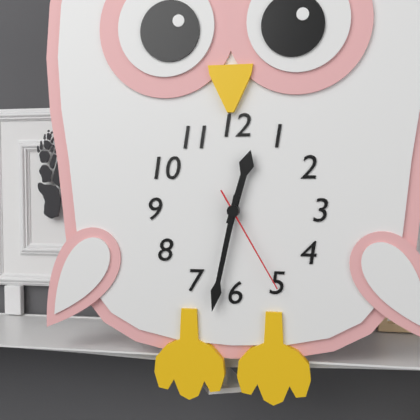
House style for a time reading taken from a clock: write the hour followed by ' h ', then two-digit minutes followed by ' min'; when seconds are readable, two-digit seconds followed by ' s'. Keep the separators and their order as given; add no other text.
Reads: 12 h 32 min 25 s
